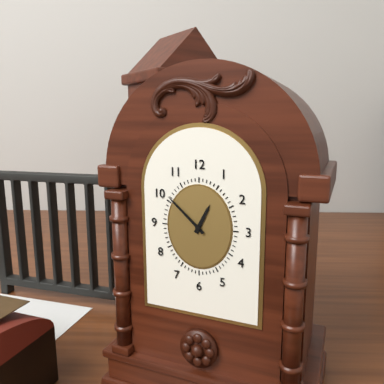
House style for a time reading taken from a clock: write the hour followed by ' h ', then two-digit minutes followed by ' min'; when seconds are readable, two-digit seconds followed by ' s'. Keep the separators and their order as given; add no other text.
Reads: 12 h 52 min
